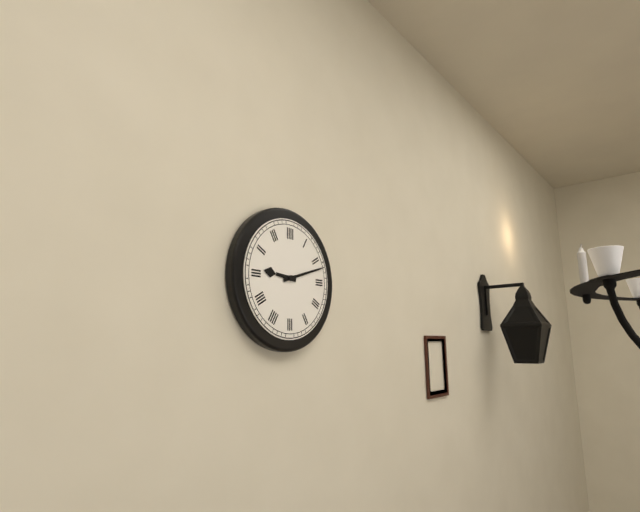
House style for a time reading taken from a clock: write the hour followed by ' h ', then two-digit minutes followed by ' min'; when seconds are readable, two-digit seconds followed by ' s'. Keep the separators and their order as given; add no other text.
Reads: 9 h 12 min
